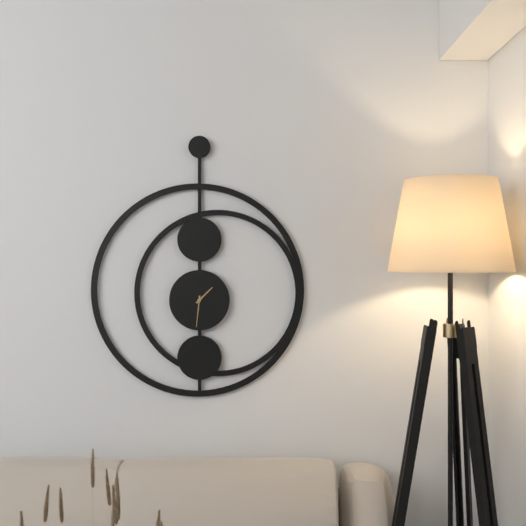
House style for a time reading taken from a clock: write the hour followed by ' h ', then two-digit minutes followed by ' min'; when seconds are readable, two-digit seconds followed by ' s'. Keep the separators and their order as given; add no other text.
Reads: 1 h 31 min
